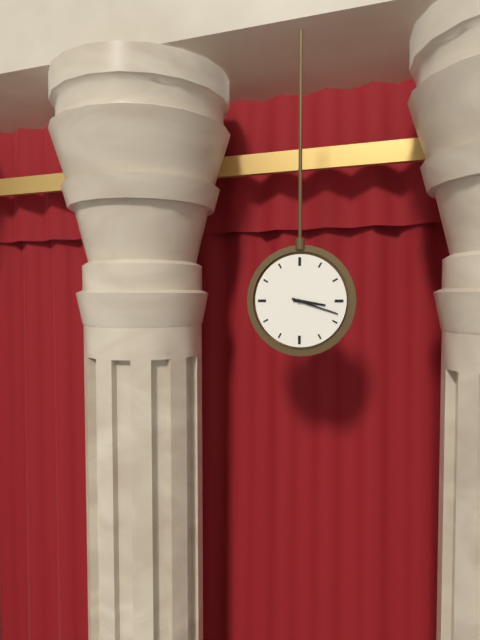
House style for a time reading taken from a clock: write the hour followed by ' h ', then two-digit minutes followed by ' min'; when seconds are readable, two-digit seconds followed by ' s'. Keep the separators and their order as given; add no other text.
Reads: 3 h 18 min
